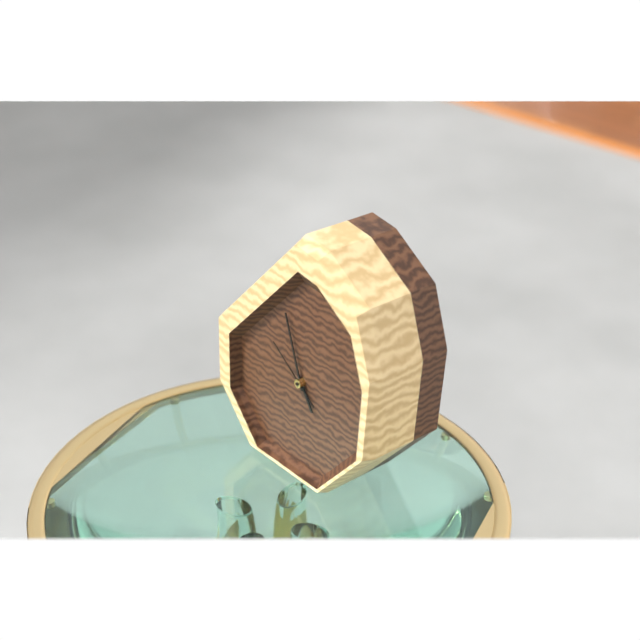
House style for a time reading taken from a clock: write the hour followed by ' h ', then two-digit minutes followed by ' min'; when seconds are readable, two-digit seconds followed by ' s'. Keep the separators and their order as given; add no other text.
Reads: 4 h 57 min 51 s
